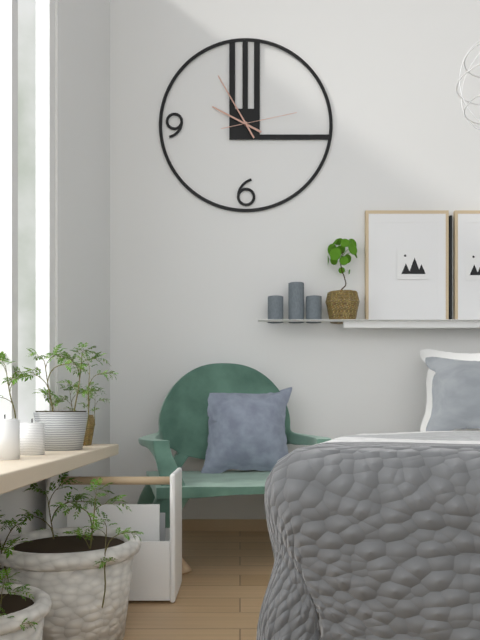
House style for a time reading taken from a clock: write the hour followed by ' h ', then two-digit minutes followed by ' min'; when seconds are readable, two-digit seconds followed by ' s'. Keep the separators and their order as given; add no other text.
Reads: 9 h 55 min 13 s
